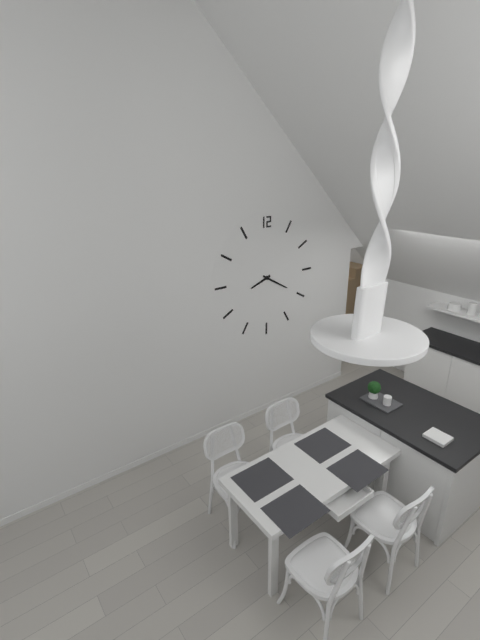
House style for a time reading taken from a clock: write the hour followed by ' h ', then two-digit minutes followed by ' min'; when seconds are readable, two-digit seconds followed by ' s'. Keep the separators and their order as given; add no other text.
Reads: 8 h 20 min
